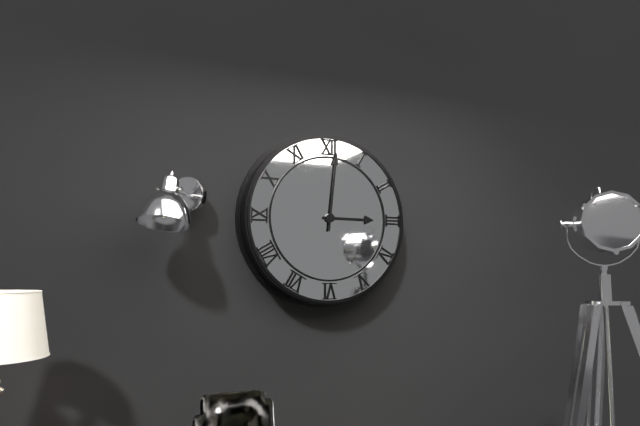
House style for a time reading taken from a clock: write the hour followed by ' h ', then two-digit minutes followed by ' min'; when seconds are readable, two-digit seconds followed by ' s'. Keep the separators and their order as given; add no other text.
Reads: 3 h 01 min
